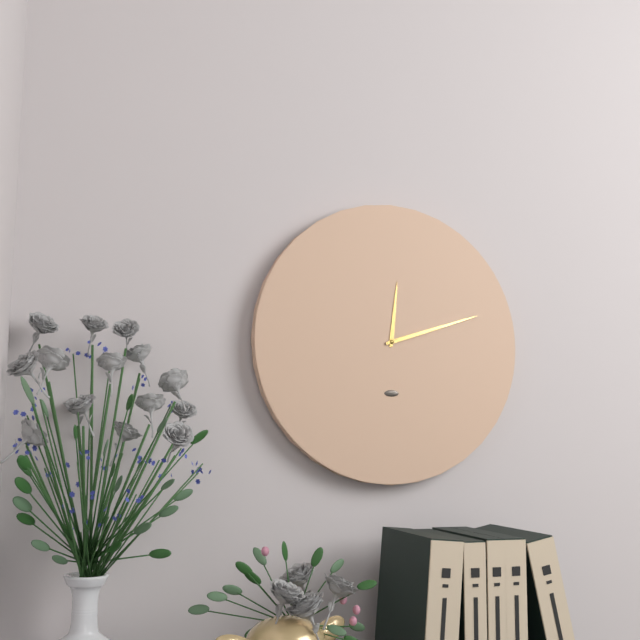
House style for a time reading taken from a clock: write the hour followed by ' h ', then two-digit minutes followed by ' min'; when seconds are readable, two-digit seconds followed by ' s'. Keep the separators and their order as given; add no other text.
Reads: 12 h 12 min
